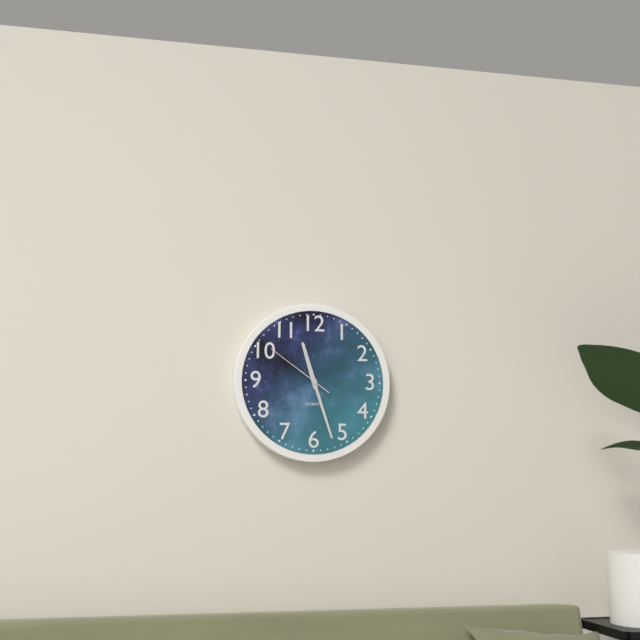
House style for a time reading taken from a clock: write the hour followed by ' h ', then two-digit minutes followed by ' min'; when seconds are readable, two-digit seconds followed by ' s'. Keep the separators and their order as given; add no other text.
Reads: 11 h 27 min 51 s
